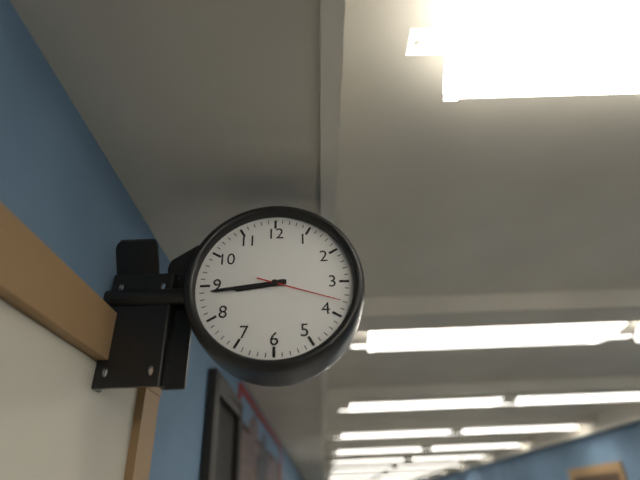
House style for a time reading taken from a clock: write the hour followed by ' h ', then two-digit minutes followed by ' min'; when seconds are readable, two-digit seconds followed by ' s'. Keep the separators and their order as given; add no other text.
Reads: 8 h 44 min 18 s
